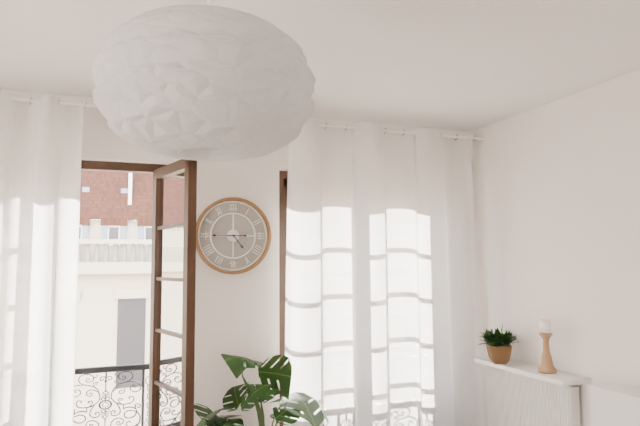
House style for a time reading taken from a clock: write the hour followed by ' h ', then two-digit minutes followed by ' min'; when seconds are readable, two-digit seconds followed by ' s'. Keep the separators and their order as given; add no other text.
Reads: 4 h 45 min
